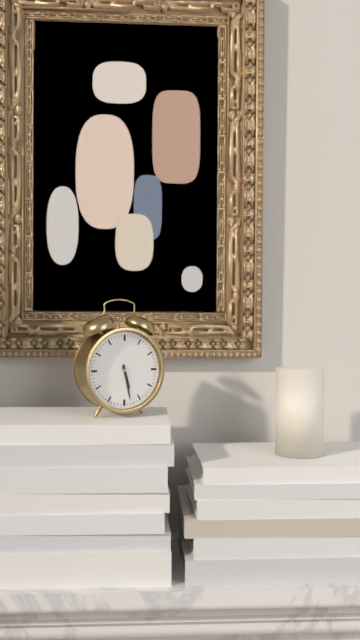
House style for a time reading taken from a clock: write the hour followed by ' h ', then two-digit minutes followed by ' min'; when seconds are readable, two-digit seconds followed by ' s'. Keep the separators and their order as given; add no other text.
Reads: 5 h 28 min
